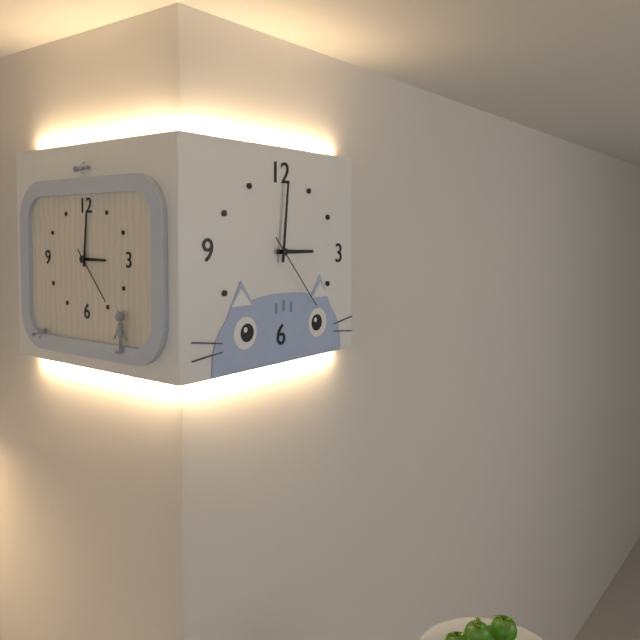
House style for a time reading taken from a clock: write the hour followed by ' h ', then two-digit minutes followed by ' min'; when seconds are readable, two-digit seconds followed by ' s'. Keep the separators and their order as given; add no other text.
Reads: 3 h 01 min 23 s
